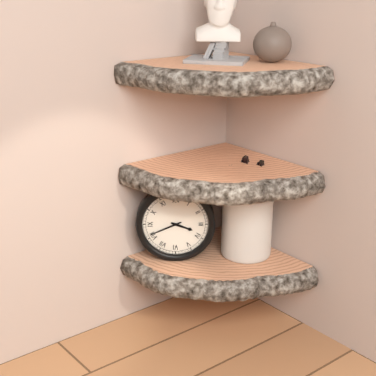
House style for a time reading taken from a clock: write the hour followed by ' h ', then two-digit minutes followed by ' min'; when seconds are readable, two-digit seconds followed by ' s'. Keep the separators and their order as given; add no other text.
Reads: 3 h 41 min
